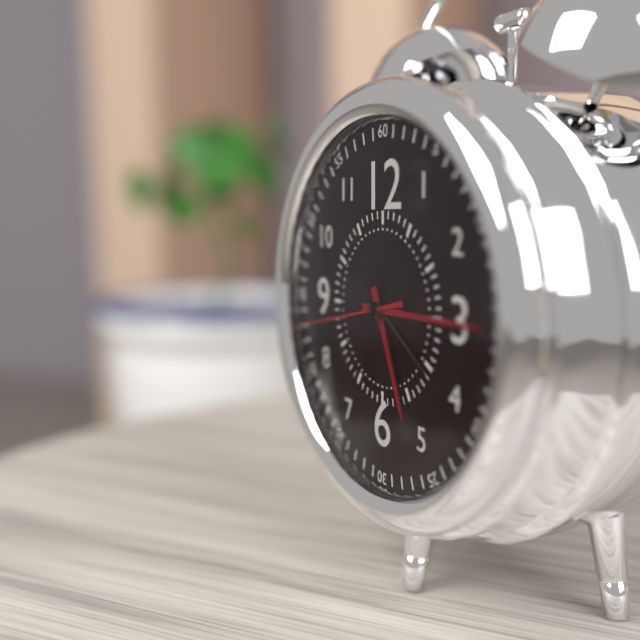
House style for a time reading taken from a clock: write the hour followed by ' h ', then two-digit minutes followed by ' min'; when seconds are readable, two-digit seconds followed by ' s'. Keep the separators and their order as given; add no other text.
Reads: 5 h 15 min 43 s
